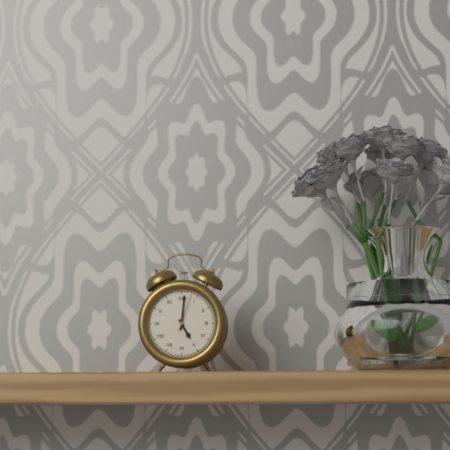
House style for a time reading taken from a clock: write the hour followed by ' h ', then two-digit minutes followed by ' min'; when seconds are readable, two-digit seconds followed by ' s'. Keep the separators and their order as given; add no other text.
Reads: 5 h 01 min
